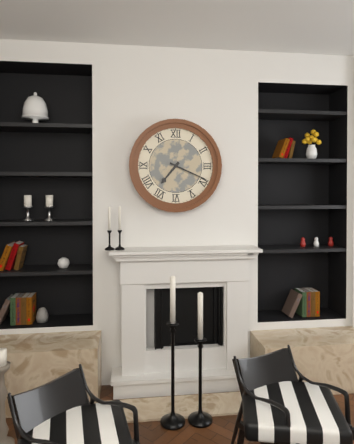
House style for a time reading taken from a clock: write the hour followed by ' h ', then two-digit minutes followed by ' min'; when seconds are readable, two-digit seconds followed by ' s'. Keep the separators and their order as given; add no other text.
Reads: 7 h 19 min
